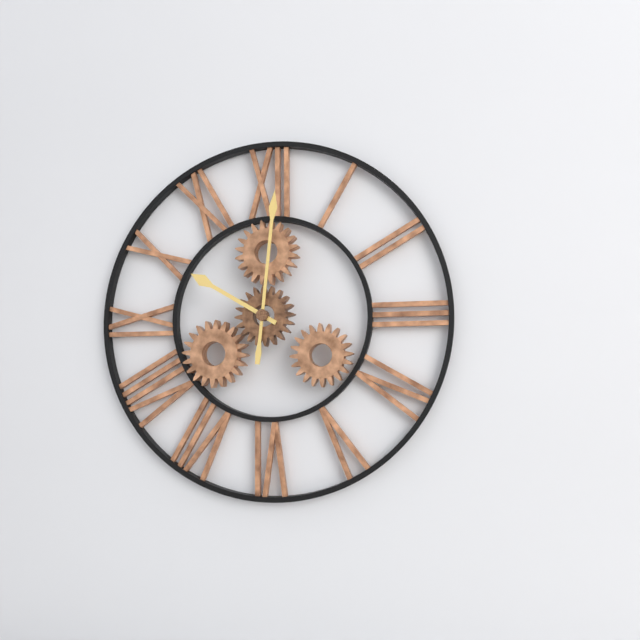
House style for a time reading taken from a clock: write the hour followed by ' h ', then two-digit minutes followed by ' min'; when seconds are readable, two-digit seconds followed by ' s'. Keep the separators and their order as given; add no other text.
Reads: 10 h 01 min
